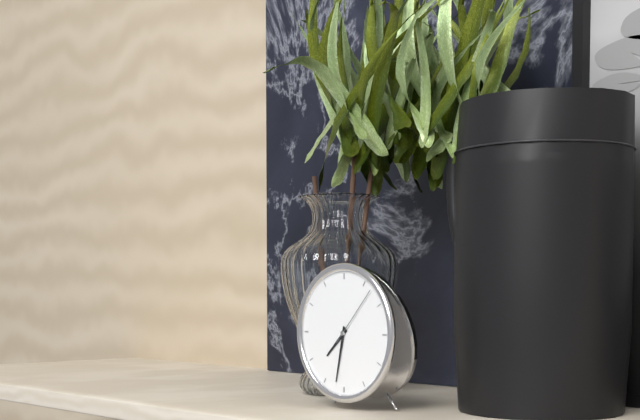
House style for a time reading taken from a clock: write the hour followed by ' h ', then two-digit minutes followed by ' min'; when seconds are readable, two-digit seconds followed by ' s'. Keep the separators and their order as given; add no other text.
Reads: 7 h 32 min 07 s
